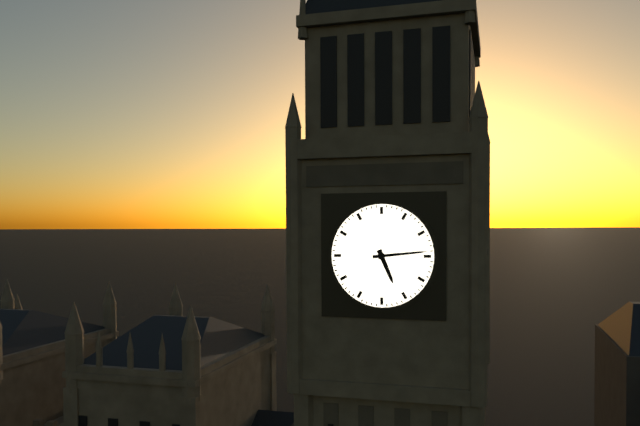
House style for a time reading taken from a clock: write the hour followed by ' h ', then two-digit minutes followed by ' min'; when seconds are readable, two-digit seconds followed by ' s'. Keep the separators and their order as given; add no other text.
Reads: 5 h 14 min
